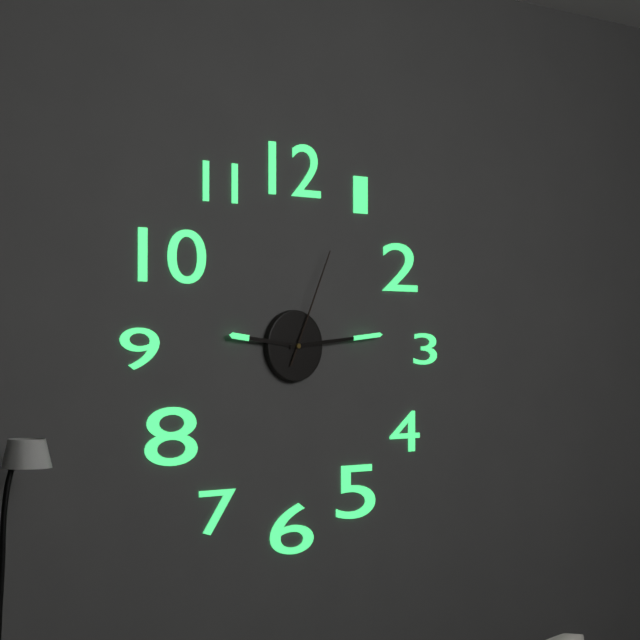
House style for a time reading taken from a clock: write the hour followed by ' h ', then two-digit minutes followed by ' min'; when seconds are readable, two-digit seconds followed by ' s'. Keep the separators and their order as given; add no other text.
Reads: 9 h 14 min 04 s
